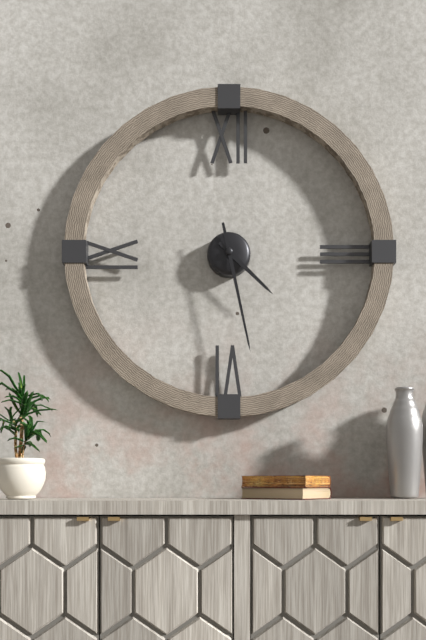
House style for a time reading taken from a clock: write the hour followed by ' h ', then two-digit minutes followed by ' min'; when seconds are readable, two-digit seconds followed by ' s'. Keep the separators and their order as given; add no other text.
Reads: 4 h 28 min
